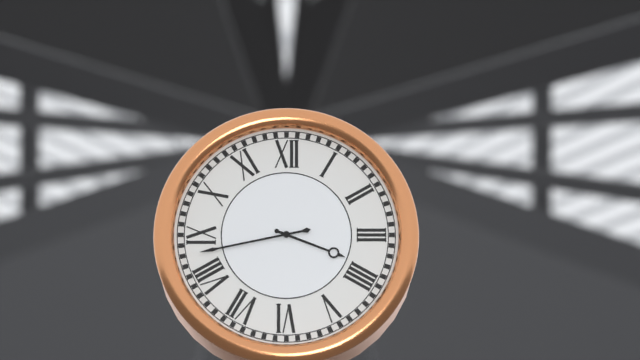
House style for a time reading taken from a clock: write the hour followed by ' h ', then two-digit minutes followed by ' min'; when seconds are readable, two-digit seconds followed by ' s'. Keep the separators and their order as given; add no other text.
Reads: 3 h 43 min
